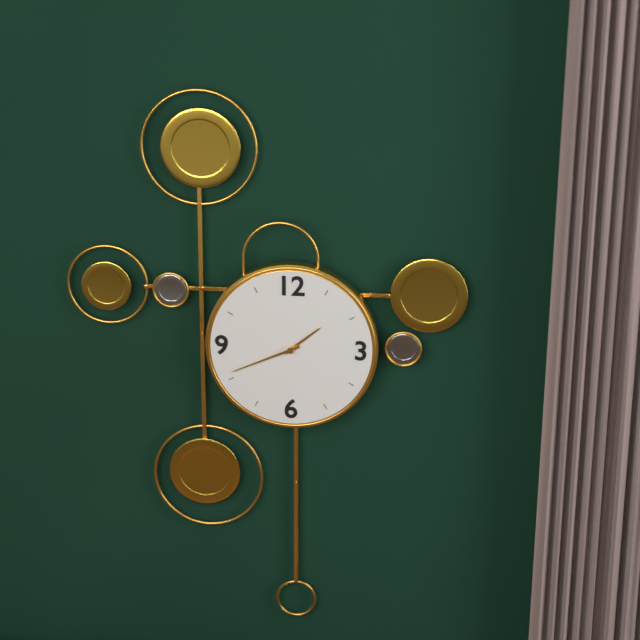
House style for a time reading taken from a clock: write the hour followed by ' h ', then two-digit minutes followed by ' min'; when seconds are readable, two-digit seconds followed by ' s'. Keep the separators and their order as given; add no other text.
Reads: 1 h 41 min
